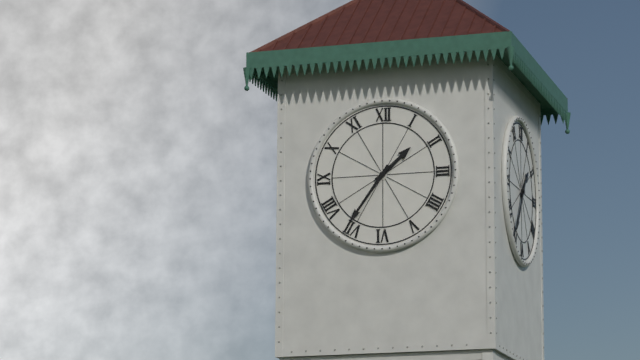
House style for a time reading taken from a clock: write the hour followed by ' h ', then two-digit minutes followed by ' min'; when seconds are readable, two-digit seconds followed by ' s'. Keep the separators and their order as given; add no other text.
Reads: 1 h 36 min
